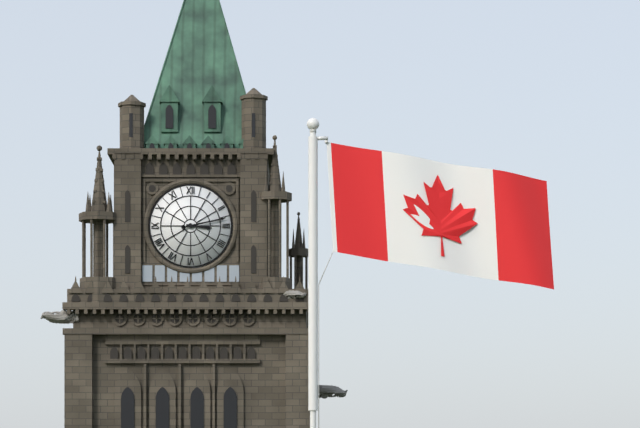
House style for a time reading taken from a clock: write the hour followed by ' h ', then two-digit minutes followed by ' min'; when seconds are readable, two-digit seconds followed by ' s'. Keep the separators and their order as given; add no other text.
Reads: 3 h 13 min
